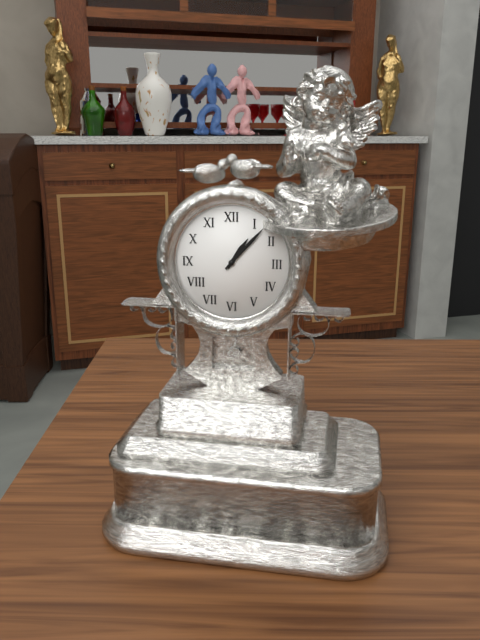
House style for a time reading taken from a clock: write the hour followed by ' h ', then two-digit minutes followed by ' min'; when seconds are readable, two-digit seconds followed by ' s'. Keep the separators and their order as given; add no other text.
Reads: 1 h 07 min
